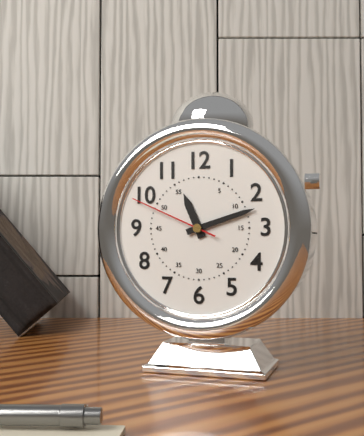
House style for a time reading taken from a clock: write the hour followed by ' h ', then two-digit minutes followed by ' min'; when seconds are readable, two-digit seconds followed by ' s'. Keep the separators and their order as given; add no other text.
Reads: 11 h 12 min 49 s
